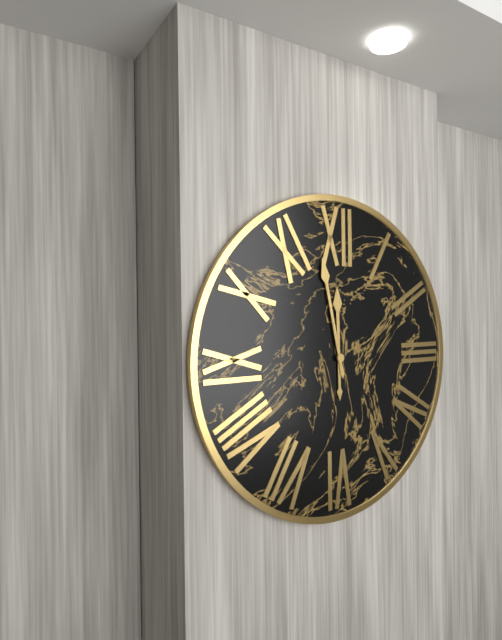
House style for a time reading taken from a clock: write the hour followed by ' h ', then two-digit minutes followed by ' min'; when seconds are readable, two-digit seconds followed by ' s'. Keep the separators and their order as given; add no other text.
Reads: 11 h 58 min
